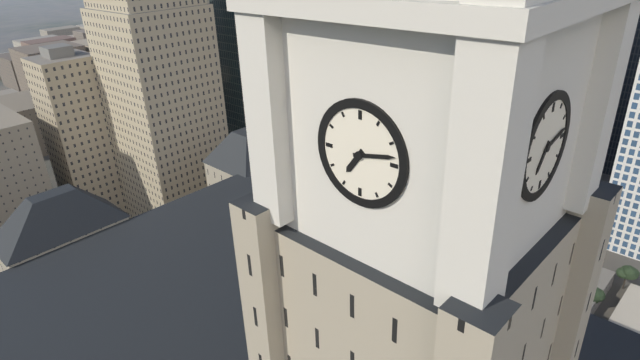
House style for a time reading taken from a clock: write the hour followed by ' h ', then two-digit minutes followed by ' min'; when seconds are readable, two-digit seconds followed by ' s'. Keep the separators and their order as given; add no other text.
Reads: 7 h 13 min
